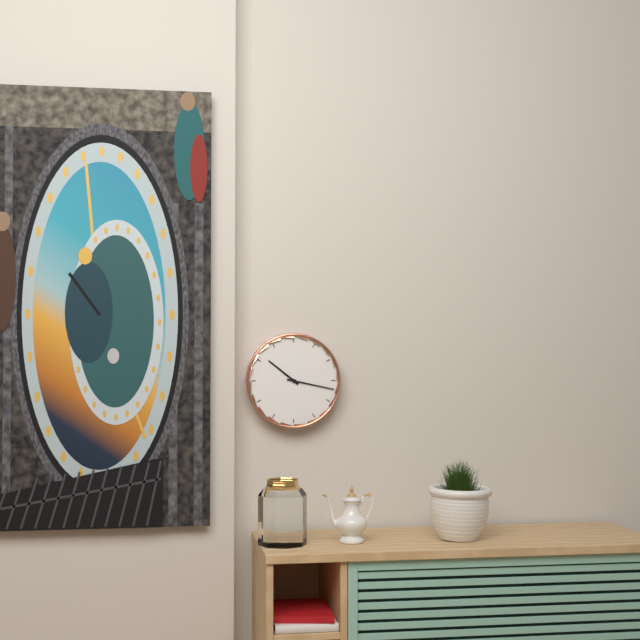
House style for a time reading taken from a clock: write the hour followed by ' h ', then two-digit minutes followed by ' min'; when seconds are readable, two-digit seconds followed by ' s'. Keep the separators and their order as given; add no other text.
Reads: 10 h 17 min
